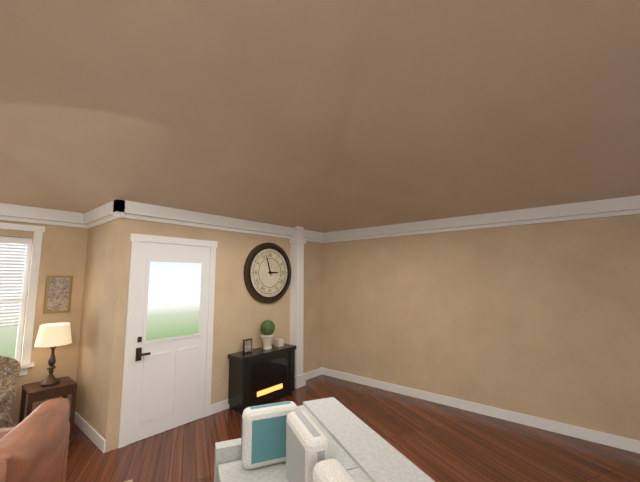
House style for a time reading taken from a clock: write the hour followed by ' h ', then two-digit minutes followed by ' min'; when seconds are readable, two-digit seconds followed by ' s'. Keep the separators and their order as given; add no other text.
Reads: 2 h 57 min
